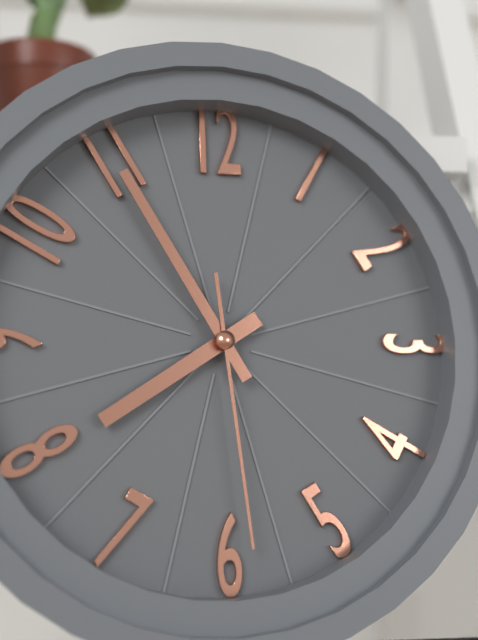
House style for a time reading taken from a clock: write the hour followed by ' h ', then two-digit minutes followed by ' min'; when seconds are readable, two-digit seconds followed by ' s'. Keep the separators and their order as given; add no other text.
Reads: 7 h 55 min 29 s
